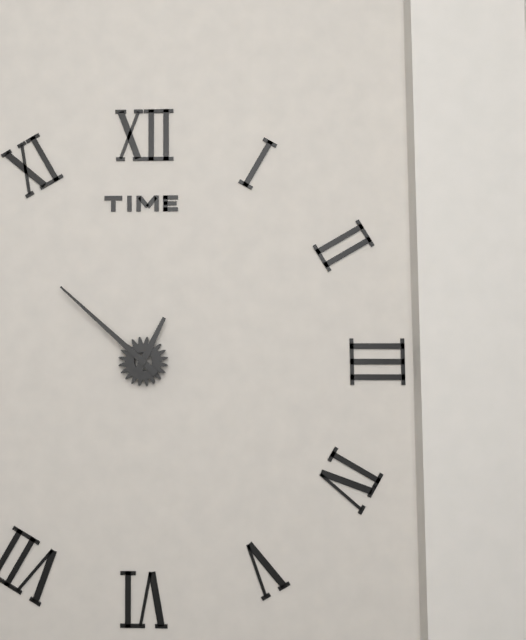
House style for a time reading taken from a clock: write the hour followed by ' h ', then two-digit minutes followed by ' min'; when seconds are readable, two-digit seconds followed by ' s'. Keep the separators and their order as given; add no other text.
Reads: 12 h 52 min
